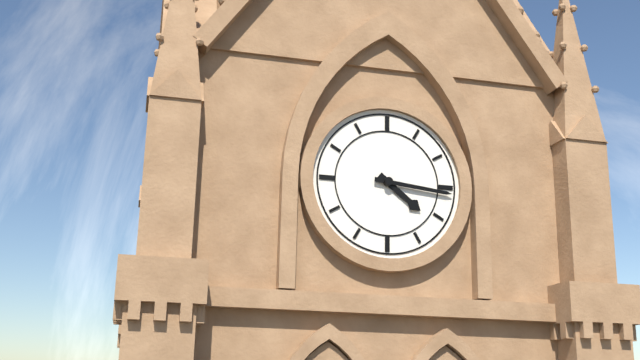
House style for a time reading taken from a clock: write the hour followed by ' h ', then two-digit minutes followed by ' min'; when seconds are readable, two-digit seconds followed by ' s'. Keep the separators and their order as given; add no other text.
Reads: 4 h 16 min
